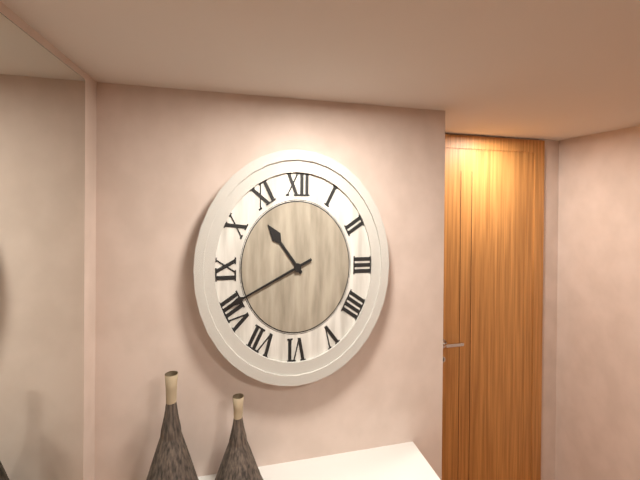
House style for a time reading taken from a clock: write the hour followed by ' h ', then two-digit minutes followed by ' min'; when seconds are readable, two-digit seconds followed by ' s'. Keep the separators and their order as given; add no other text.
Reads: 10 h 41 min
